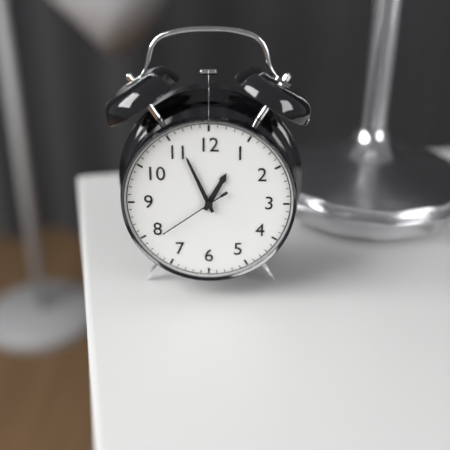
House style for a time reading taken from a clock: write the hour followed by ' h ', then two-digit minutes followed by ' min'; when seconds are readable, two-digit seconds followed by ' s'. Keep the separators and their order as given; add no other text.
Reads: 12 h 56 min 39 s
